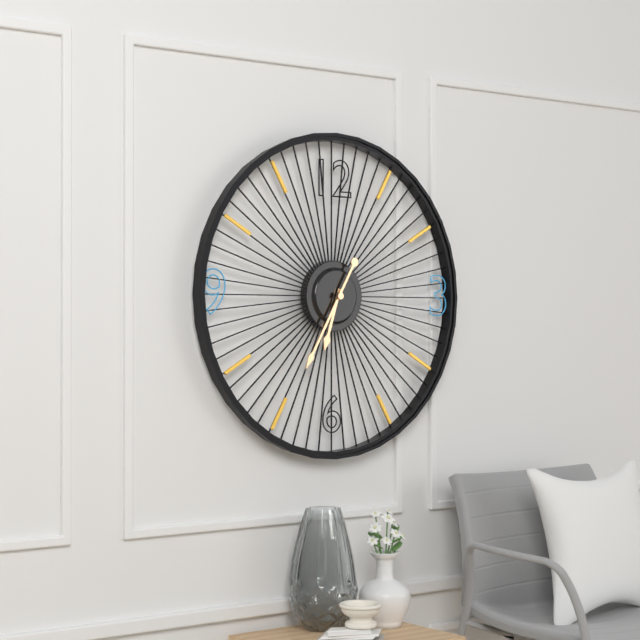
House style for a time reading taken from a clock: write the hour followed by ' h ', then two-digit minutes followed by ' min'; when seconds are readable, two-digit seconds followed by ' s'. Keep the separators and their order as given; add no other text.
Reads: 6 h 35 min
